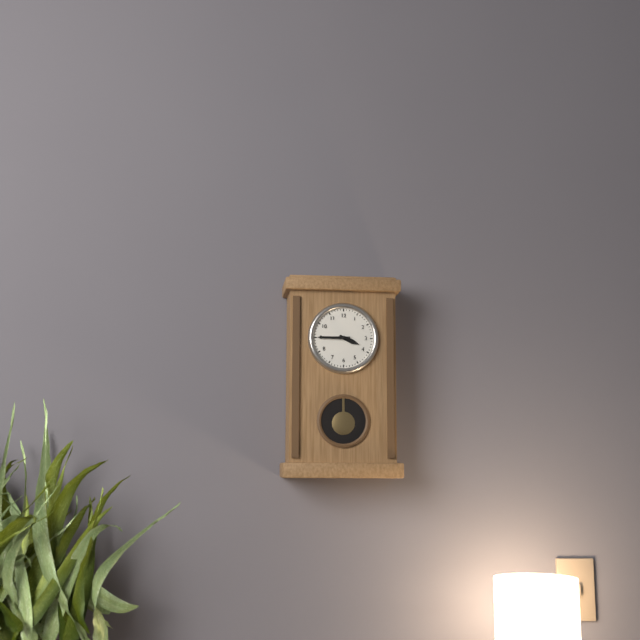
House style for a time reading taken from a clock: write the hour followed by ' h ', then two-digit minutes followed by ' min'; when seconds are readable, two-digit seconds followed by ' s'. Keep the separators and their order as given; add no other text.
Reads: 3 h 45 min
